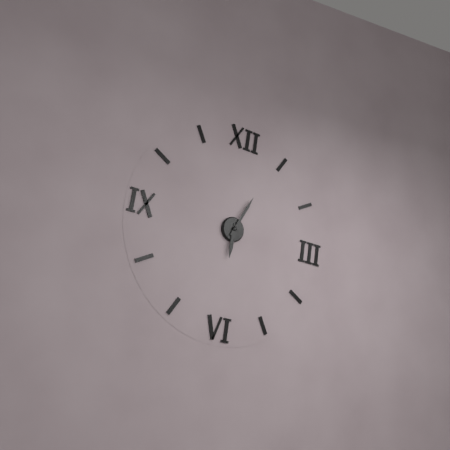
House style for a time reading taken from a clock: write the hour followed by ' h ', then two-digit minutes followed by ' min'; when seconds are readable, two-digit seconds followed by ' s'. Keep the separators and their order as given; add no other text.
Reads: 6 h 04 min
